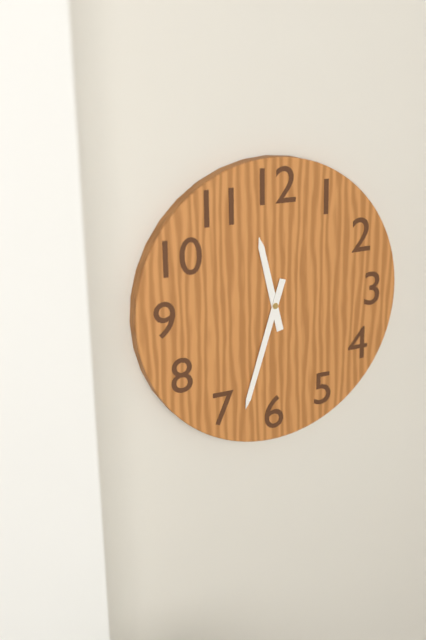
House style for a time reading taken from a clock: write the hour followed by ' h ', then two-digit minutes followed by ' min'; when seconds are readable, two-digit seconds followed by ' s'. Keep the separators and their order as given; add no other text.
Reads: 11 h 33 min
